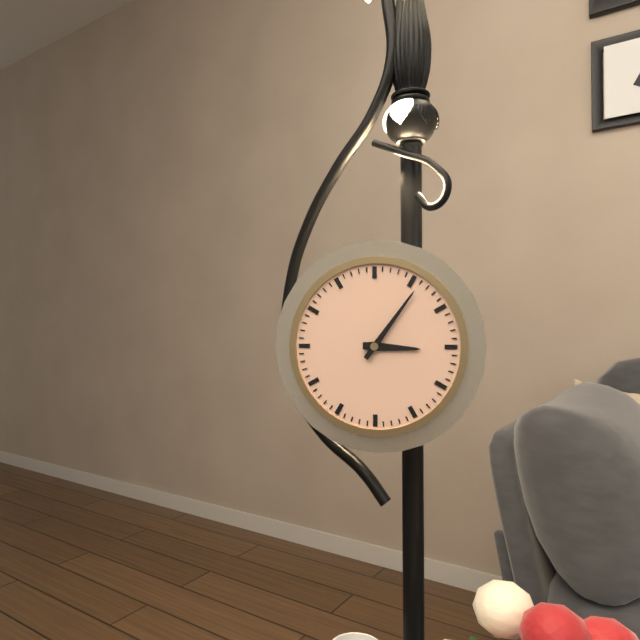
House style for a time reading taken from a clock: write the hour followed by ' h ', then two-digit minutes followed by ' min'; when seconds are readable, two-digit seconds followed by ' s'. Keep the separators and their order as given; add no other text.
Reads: 3 h 06 min
